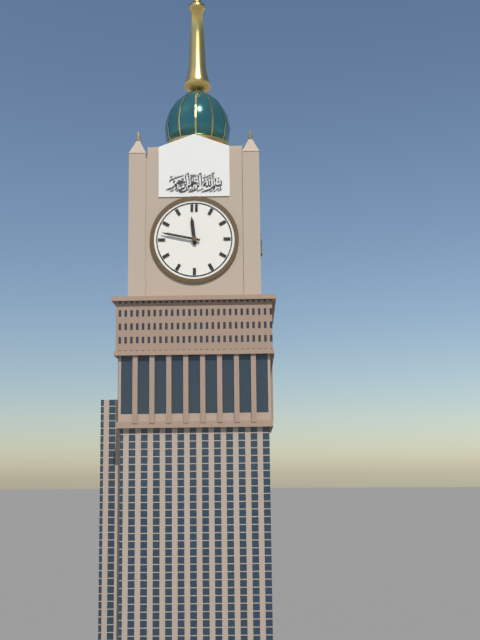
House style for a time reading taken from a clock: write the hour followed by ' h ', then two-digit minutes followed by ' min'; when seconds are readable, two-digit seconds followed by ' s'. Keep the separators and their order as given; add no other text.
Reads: 11 h 47 min
